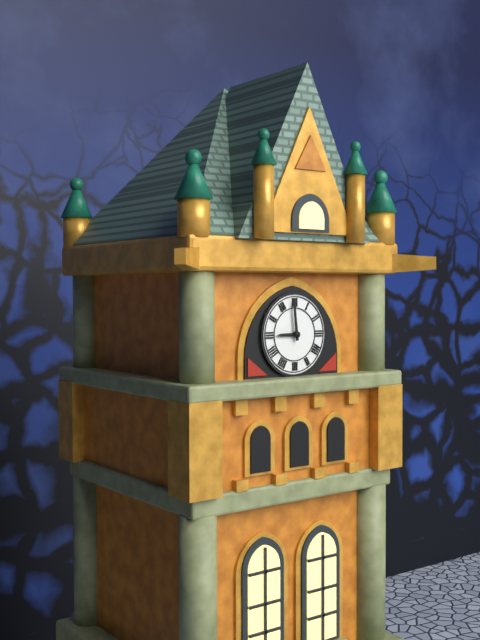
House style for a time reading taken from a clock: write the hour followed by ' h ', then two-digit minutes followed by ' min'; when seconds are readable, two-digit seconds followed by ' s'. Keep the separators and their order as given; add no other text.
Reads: 8 h 59 min
